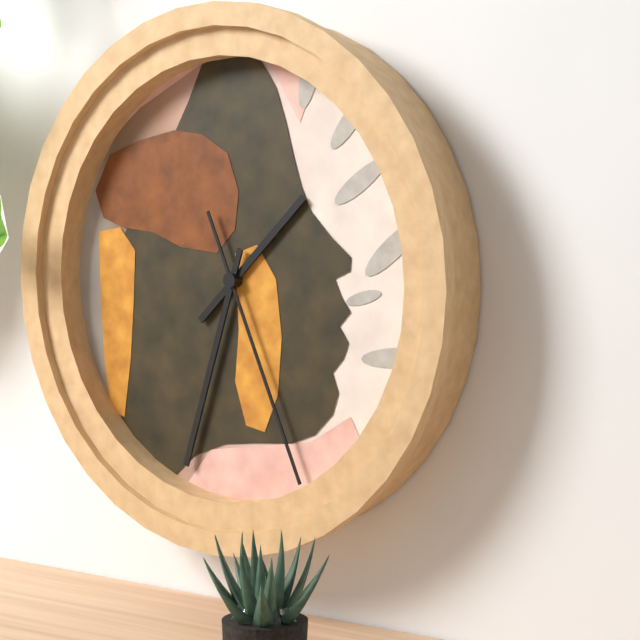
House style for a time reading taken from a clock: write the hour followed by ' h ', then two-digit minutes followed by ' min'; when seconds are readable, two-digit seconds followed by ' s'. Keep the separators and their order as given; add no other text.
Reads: 1 h 33 min 26 s
